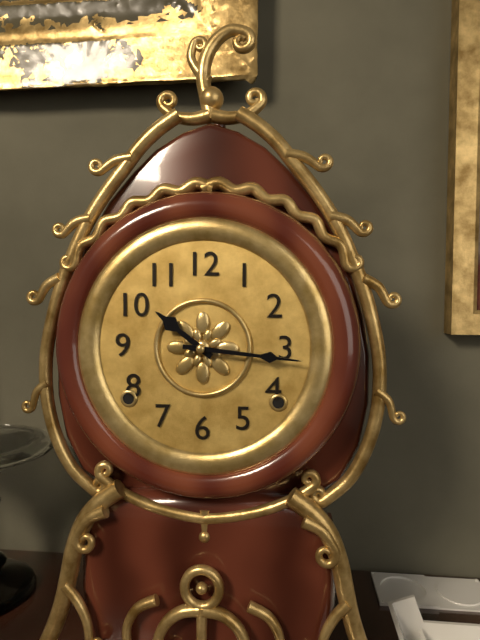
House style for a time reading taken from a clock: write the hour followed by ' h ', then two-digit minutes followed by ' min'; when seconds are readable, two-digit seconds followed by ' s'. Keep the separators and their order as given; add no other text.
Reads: 10 h 16 min
